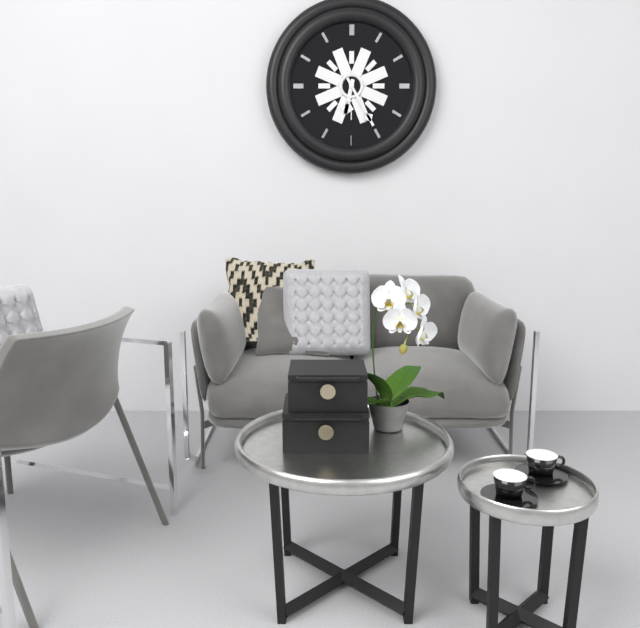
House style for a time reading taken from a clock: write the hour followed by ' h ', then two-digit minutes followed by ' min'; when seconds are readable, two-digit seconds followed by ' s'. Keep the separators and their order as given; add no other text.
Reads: 6 h 25 min
